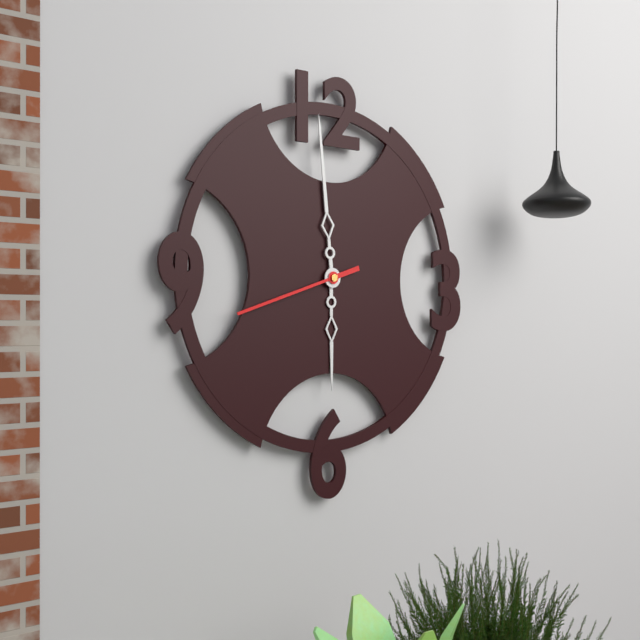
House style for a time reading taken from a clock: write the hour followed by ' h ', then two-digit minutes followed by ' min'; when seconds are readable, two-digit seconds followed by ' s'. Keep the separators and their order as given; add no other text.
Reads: 5 h 59 min 42 s
